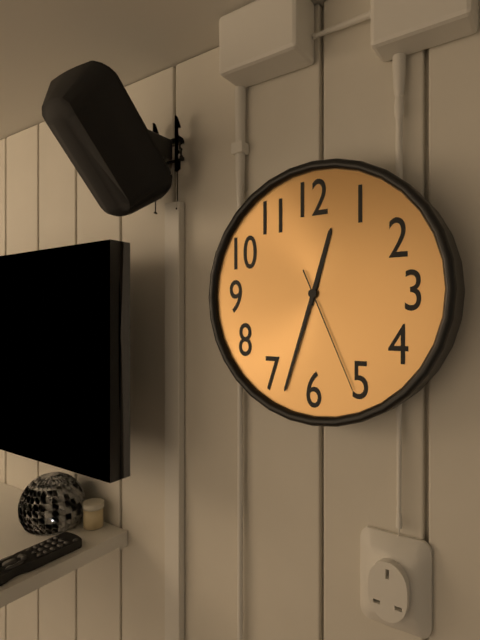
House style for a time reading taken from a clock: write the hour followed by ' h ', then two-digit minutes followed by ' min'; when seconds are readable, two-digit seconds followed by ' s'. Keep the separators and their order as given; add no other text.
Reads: 12 h 33 min 26 s
